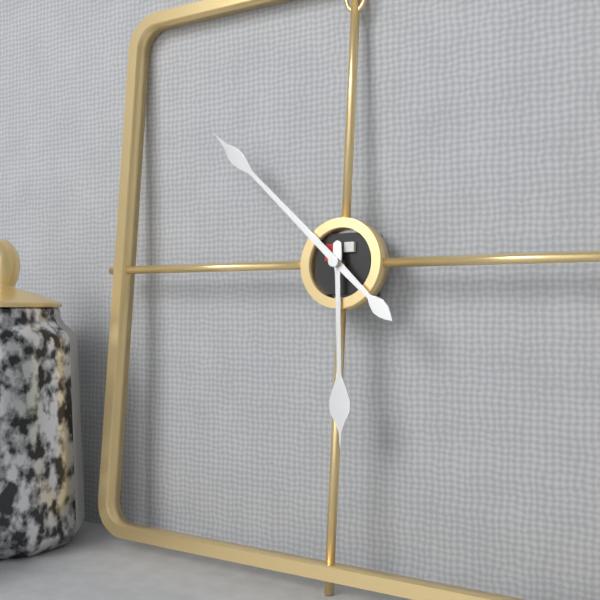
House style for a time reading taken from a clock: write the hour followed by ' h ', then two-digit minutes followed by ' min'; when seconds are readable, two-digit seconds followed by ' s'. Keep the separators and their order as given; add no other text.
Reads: 5 h 52 min
